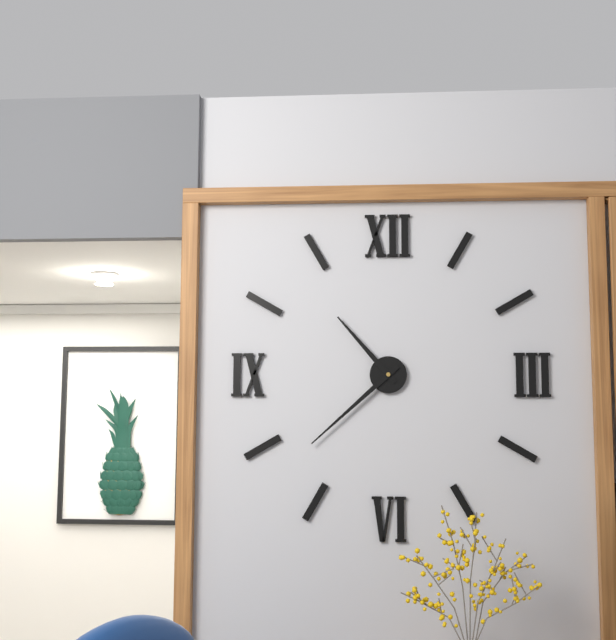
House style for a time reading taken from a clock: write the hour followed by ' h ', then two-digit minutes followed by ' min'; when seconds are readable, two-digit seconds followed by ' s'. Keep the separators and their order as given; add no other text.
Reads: 10 h 38 min
